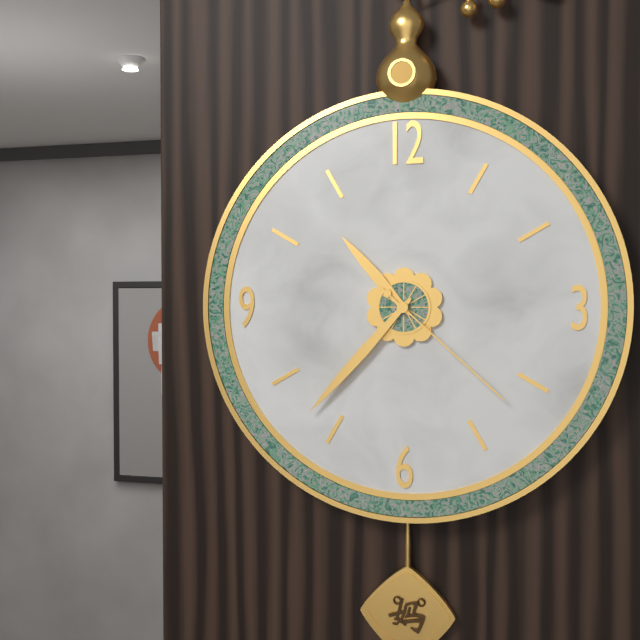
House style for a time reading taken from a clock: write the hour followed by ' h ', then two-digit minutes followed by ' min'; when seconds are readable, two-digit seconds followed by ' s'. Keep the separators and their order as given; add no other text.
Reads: 10 h 37 min 22 s
